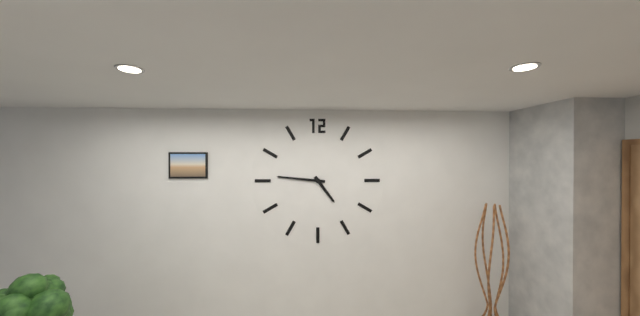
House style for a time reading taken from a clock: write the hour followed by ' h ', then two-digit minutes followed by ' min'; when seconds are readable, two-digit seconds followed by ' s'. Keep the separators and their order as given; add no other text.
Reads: 4 h 46 min
